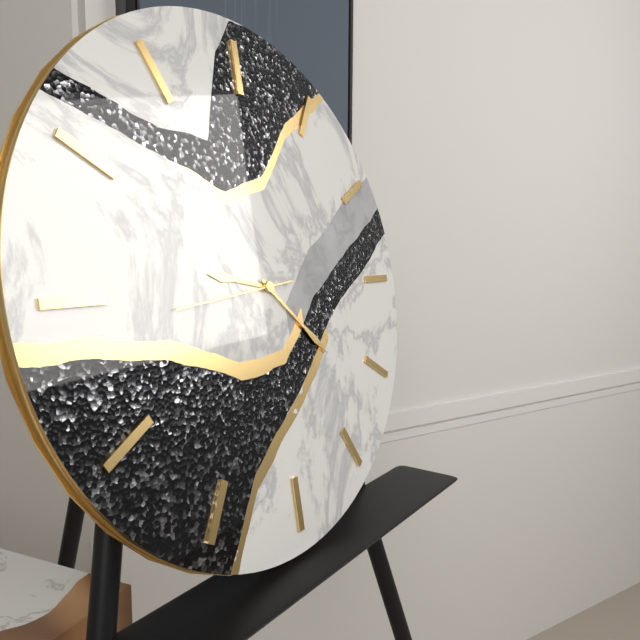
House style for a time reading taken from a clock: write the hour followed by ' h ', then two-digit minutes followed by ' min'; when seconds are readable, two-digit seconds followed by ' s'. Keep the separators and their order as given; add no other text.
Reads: 9 h 22 min 44 s
